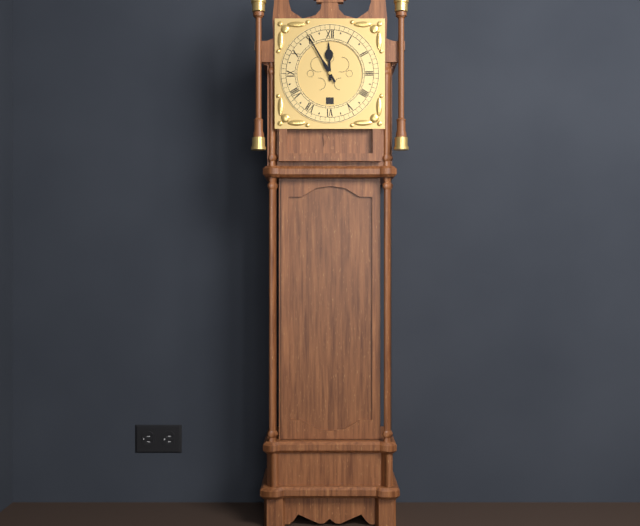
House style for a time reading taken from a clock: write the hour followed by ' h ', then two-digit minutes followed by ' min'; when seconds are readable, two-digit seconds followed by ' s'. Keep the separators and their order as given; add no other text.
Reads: 11 h 55 min
